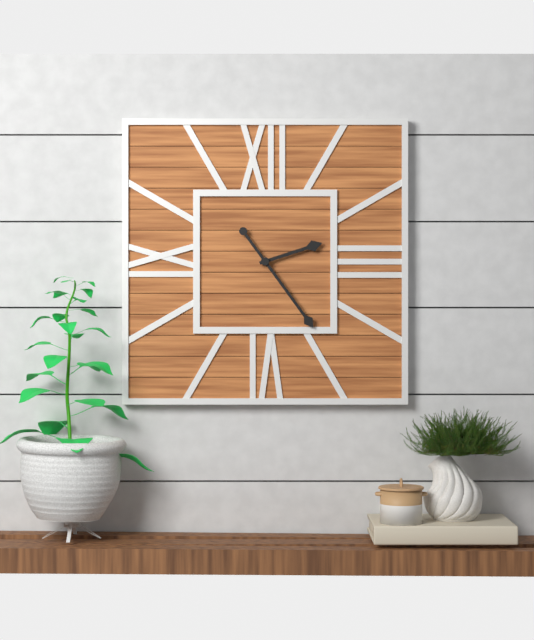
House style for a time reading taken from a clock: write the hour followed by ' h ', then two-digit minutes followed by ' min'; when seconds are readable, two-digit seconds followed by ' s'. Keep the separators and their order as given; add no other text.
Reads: 2 h 24 min
